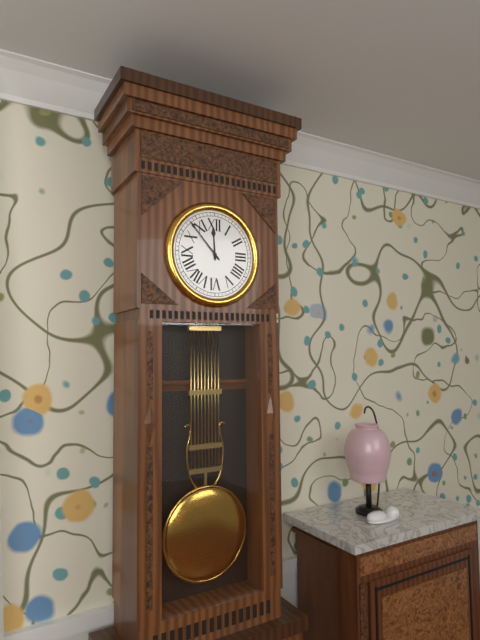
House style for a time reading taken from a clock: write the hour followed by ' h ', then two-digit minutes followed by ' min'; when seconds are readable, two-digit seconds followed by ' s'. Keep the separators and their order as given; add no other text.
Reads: 11 h 53 min
